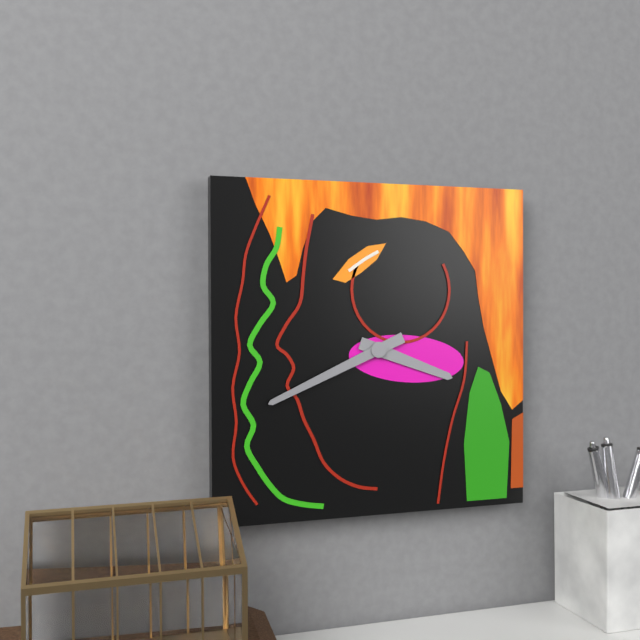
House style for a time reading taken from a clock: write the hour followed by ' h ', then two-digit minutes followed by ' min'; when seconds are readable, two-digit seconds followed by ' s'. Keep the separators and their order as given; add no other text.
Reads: 3 h 41 min
